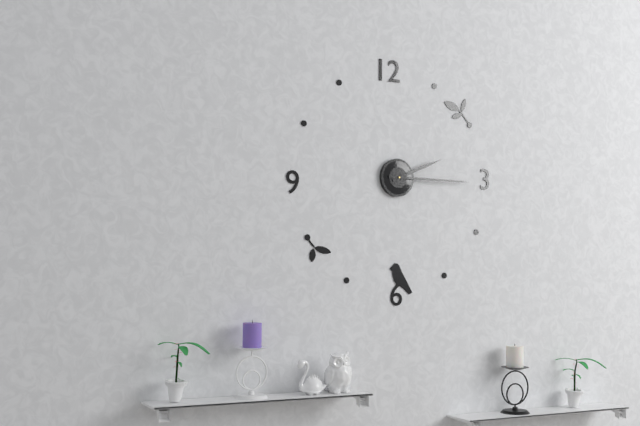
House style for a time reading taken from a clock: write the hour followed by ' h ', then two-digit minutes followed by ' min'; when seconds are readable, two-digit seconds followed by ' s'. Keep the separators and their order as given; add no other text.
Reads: 2 h 15 min
